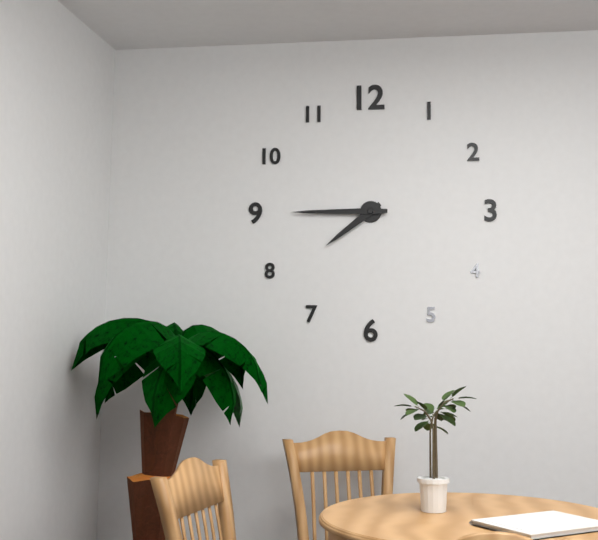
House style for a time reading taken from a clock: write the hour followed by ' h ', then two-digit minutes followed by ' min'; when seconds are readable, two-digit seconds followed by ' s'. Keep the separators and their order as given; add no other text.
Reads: 7 h 45 min
